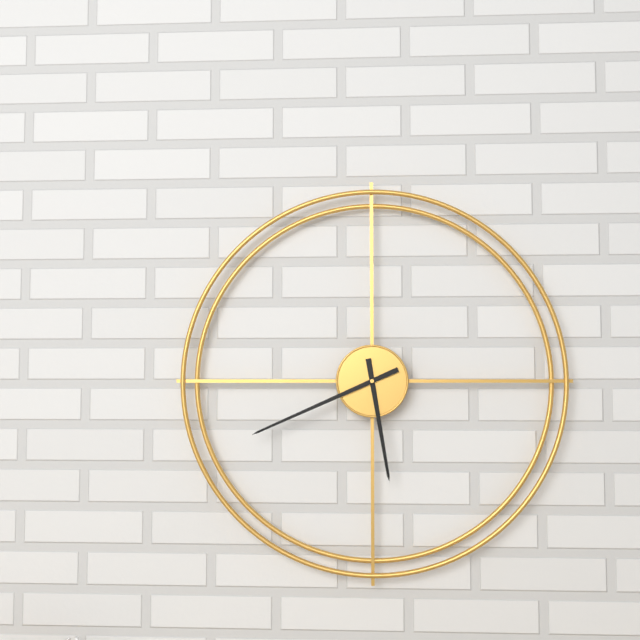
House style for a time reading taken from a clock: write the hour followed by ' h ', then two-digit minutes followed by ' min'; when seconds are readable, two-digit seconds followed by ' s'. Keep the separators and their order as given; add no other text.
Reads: 5 h 41 min
